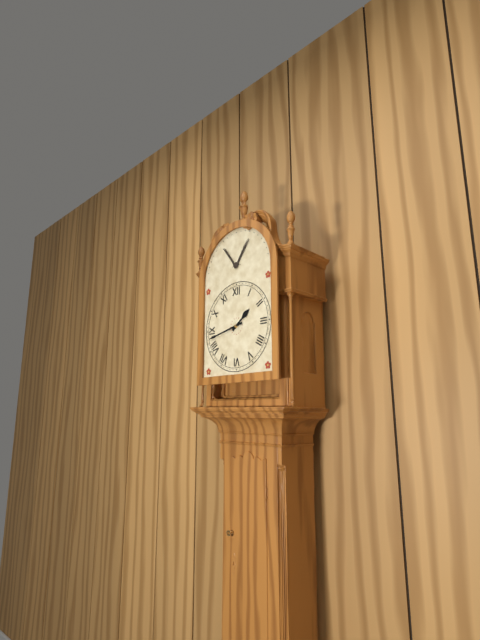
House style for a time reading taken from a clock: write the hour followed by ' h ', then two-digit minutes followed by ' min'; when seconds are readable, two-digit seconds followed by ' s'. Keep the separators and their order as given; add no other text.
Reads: 1 h 43 min
